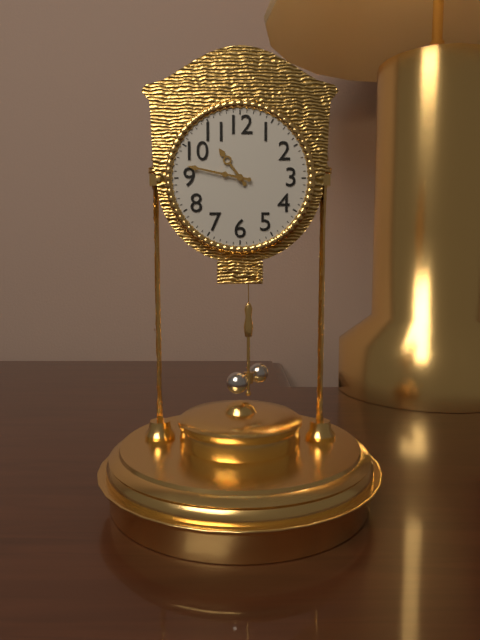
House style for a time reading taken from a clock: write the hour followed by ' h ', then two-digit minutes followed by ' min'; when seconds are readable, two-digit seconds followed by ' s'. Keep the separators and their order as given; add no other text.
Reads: 10 h 47 min
